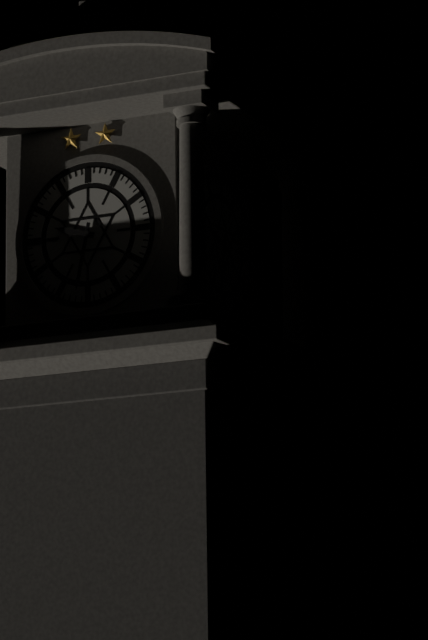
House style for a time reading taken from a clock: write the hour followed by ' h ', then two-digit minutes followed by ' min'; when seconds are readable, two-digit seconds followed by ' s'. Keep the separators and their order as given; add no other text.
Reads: 9 h 32 min
